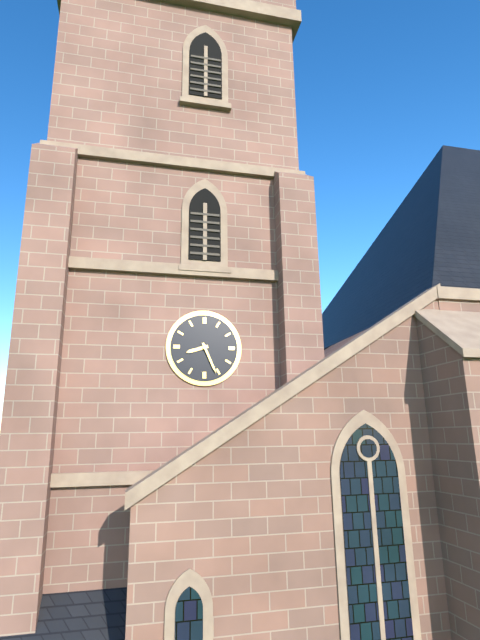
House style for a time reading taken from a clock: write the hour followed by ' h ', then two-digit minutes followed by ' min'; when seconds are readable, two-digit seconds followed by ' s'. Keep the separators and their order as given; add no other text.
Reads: 8 h 26 min
